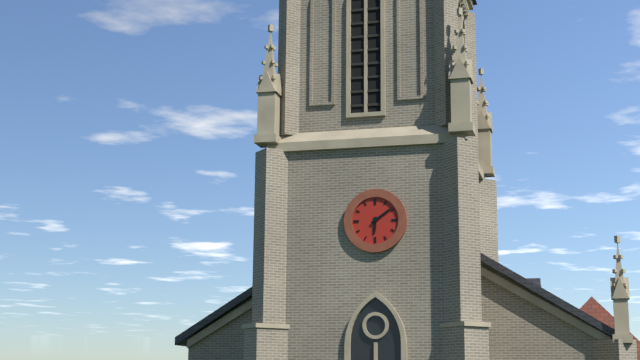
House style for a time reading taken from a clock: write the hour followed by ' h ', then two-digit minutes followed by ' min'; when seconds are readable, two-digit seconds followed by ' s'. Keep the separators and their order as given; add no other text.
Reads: 6 h 09 min
